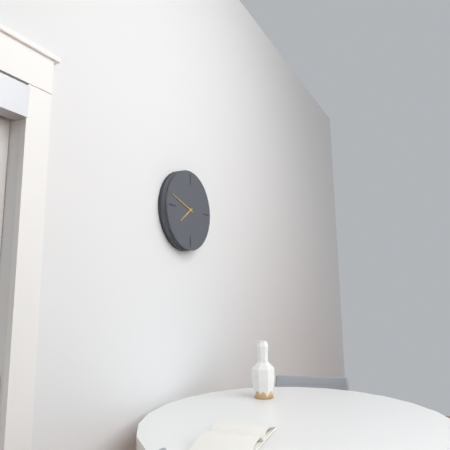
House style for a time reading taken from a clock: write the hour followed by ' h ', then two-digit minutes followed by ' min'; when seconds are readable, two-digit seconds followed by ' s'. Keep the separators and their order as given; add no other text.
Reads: 7 h 48 min
